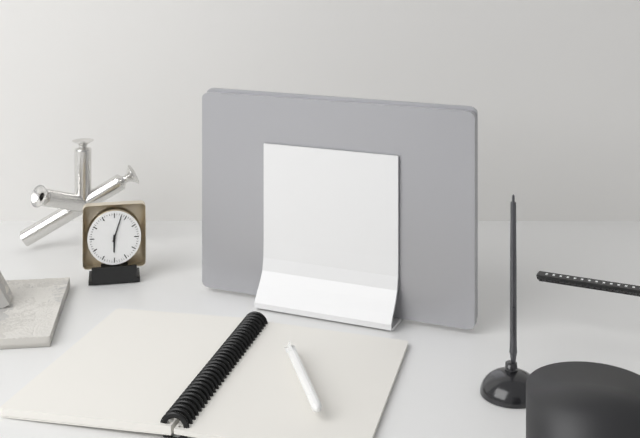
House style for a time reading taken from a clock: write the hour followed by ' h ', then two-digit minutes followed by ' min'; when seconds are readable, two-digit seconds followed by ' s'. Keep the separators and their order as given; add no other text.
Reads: 6 h 03 min
